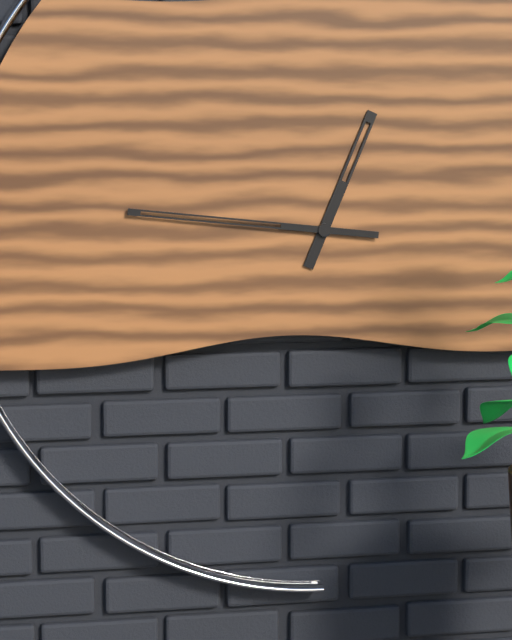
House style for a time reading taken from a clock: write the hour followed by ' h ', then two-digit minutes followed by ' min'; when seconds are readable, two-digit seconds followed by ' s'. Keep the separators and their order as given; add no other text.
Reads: 12 h 46 min
